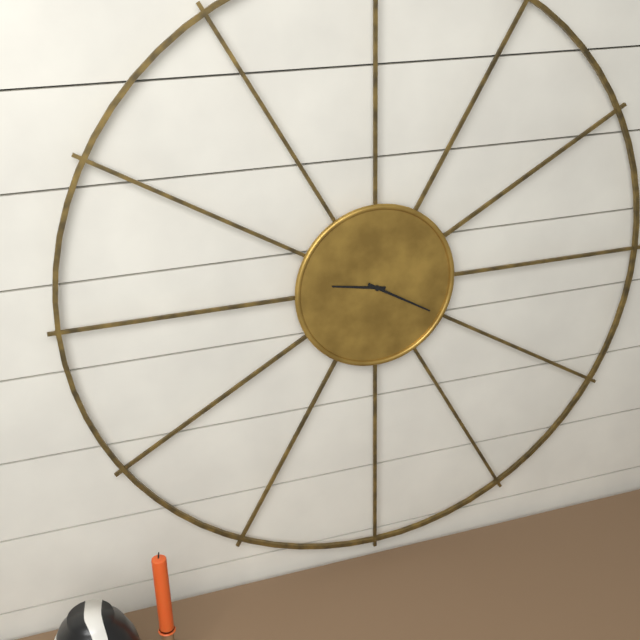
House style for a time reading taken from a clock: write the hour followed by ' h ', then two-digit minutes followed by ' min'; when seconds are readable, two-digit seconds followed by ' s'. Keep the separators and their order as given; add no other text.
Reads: 9 h 20 min
